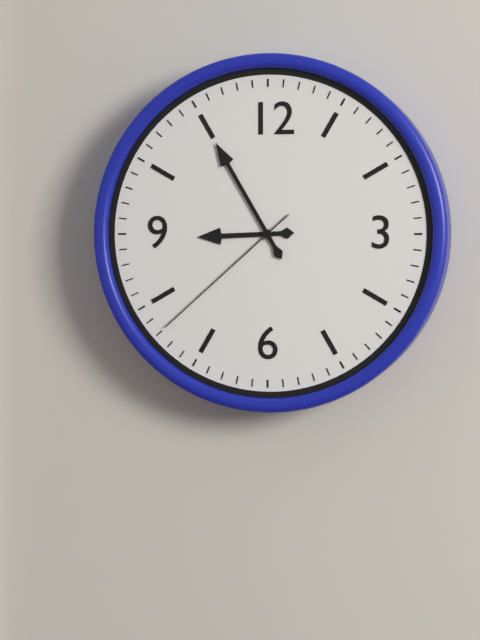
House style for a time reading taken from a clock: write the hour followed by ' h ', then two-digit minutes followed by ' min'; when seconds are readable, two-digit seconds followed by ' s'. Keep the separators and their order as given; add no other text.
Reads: 8 h 55 min 38 s
